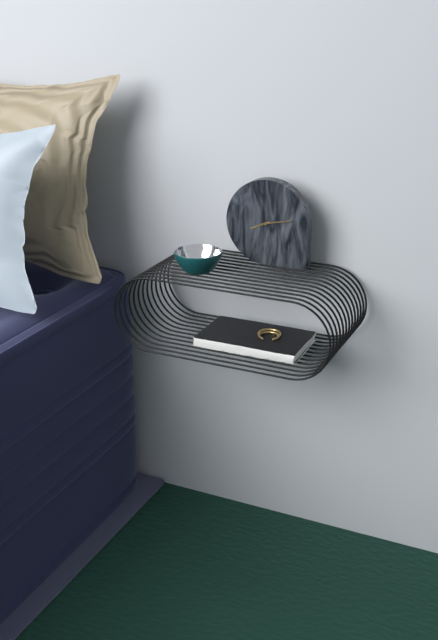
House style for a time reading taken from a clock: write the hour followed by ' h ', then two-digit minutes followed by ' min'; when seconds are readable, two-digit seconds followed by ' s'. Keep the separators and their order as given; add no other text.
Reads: 8 h 13 min
